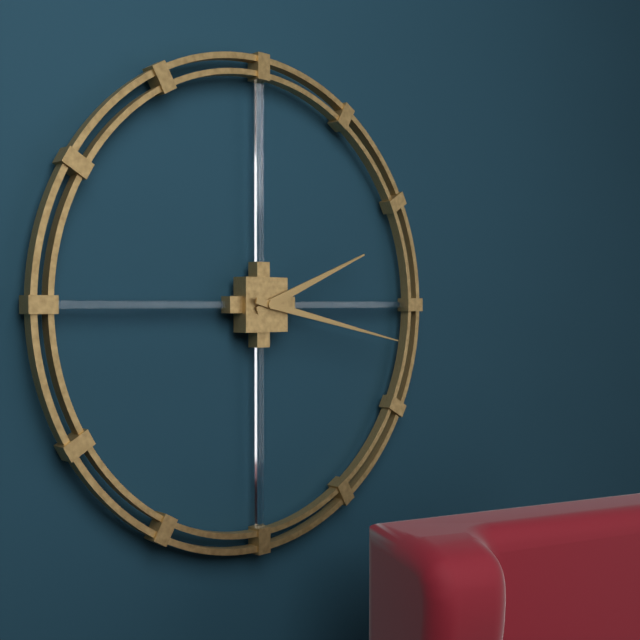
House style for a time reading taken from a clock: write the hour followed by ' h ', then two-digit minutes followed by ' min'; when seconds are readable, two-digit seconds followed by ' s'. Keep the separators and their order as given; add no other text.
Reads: 2 h 17 min
